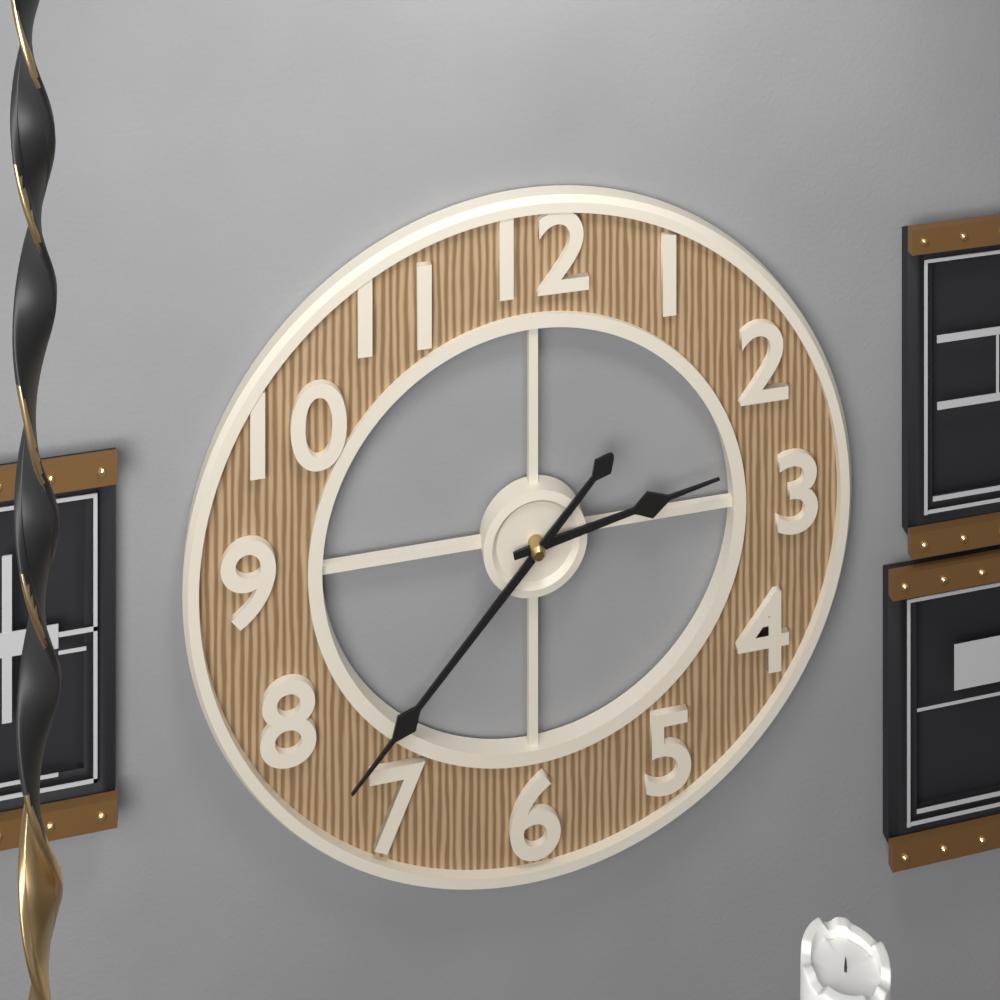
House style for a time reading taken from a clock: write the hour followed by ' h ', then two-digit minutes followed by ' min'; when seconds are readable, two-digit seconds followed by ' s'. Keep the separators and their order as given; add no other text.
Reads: 2 h 37 min
